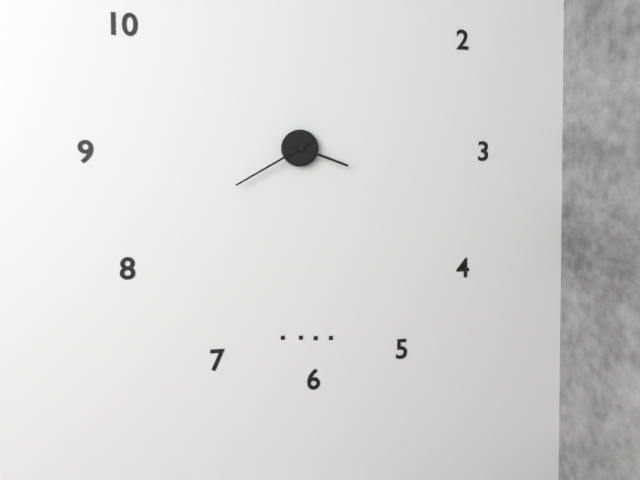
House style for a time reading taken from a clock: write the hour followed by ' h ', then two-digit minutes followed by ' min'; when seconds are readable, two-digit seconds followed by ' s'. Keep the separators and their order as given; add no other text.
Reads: 3 h 40 min
